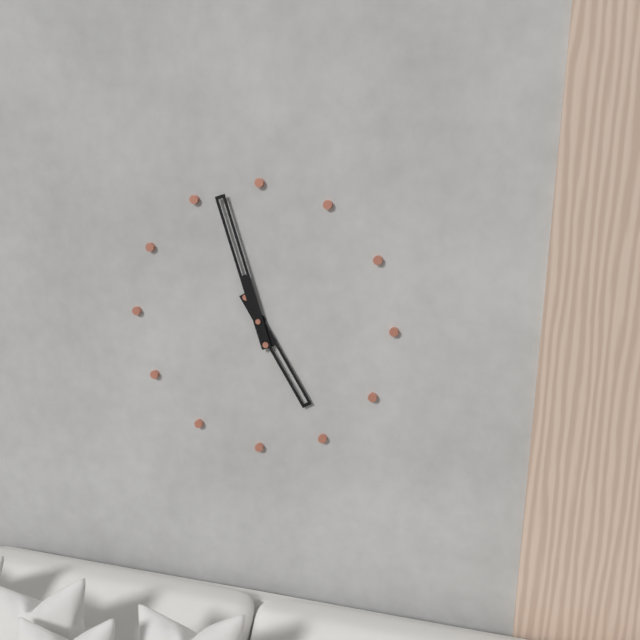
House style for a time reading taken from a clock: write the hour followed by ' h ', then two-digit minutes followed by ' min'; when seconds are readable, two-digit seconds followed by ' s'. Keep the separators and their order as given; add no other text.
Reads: 4 h 57 min
